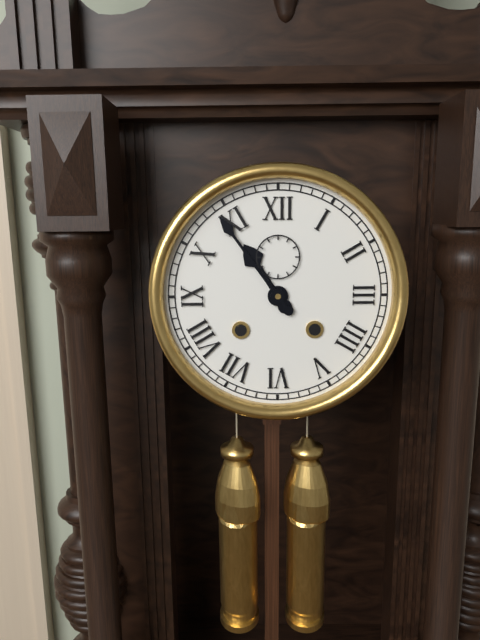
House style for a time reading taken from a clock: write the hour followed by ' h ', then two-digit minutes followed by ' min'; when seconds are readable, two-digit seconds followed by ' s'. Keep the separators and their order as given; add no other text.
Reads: 10 h 54 min
